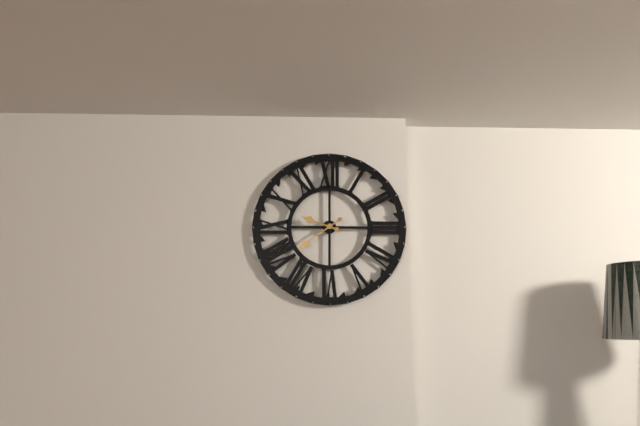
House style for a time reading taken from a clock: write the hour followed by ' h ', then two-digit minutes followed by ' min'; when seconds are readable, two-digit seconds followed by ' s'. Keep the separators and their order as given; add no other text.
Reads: 9 h 39 min
